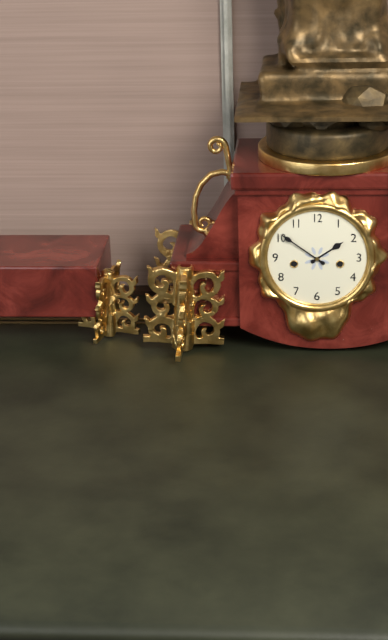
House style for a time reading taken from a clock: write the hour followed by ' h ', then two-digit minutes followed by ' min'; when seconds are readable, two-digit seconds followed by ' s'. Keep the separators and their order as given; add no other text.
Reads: 1 h 51 min
